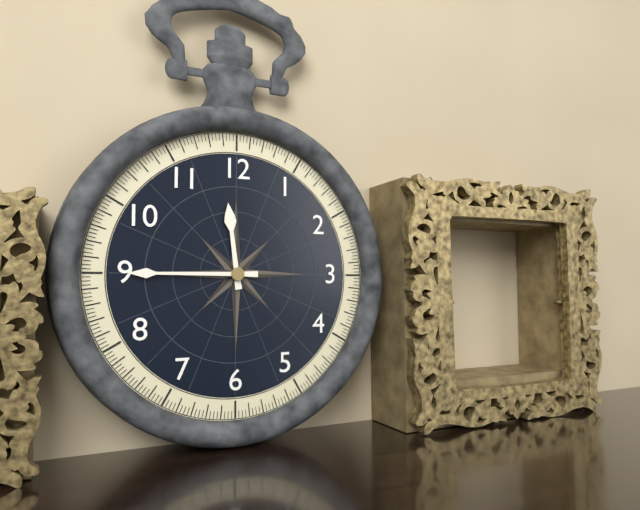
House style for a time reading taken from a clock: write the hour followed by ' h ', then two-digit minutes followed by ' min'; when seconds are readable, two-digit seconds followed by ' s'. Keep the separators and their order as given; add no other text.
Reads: 11 h 45 min
